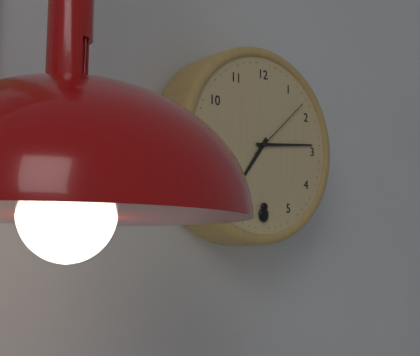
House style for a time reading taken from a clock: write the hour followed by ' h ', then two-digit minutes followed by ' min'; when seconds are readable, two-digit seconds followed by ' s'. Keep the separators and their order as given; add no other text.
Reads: 7 h 14 min 08 s
